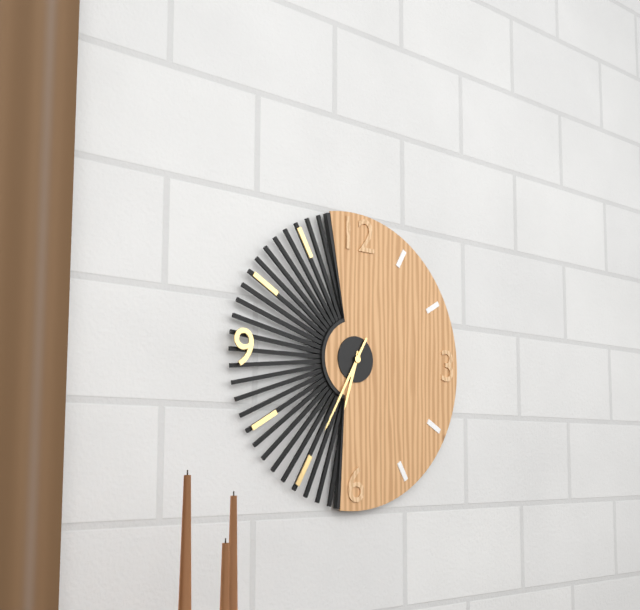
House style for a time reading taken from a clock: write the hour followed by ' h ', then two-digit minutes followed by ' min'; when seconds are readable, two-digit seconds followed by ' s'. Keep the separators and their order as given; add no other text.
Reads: 6 h 35 min
